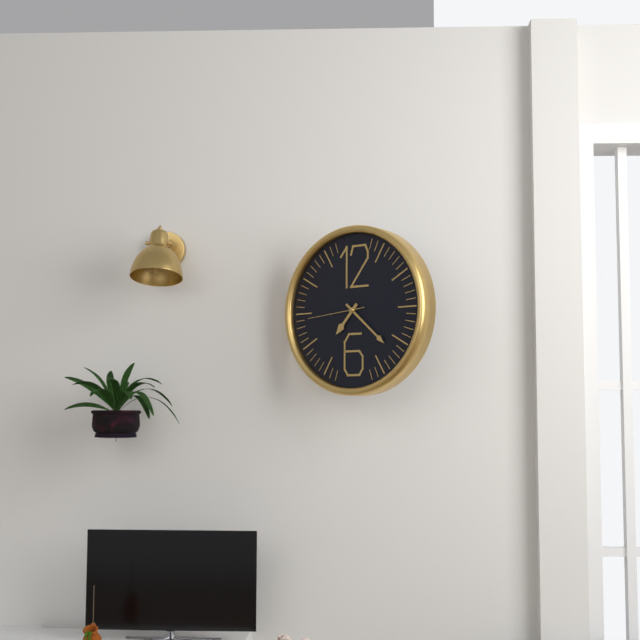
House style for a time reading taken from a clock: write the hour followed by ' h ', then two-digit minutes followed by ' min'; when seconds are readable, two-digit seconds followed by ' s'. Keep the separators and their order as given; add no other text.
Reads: 7 h 22 min 44 s
